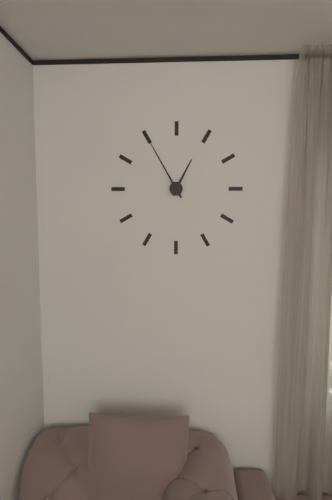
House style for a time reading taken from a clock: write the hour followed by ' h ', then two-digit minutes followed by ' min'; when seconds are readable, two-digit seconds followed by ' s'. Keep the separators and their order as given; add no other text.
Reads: 12 h 55 min
